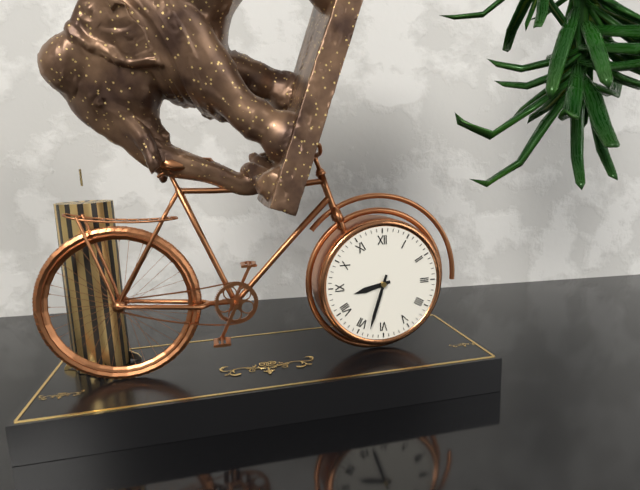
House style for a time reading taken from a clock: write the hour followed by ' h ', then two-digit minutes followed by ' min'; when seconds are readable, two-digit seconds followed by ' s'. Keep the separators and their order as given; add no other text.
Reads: 8 h 33 min
